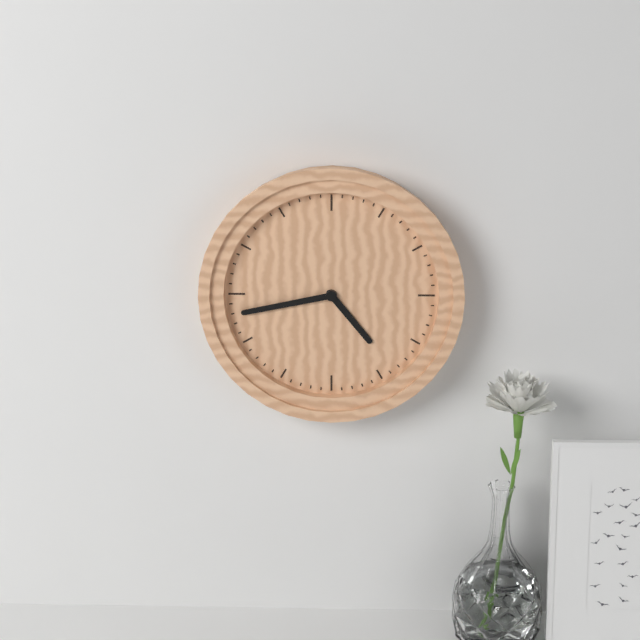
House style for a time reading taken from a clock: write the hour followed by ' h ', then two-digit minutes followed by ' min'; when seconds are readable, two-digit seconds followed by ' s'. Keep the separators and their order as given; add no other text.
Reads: 4 h 43 min
